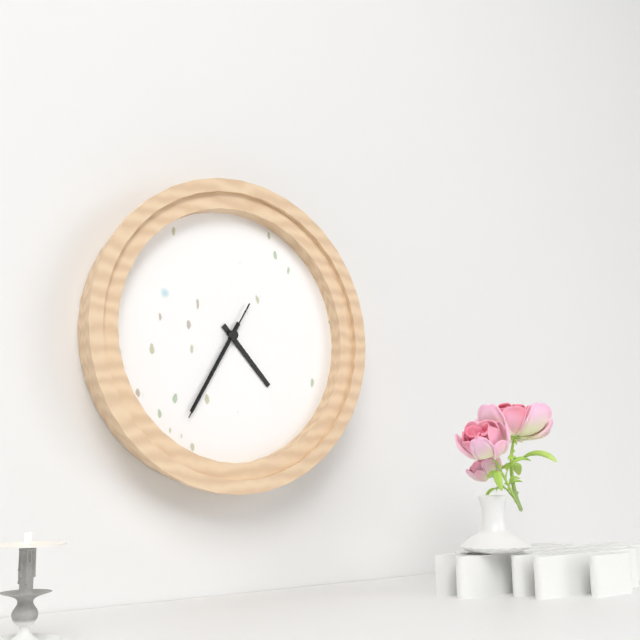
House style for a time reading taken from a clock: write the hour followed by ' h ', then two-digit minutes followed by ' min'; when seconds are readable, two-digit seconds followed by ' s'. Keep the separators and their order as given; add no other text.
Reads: 4 h 35 min 35 s
